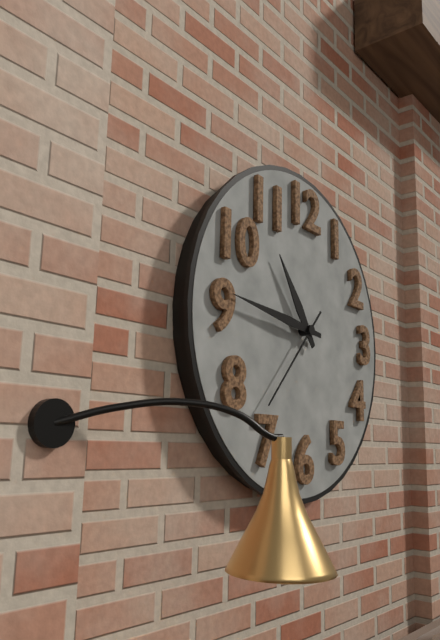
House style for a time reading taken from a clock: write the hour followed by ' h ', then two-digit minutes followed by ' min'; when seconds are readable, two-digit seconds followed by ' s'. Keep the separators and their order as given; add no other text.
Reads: 10 h 46 min 37 s
